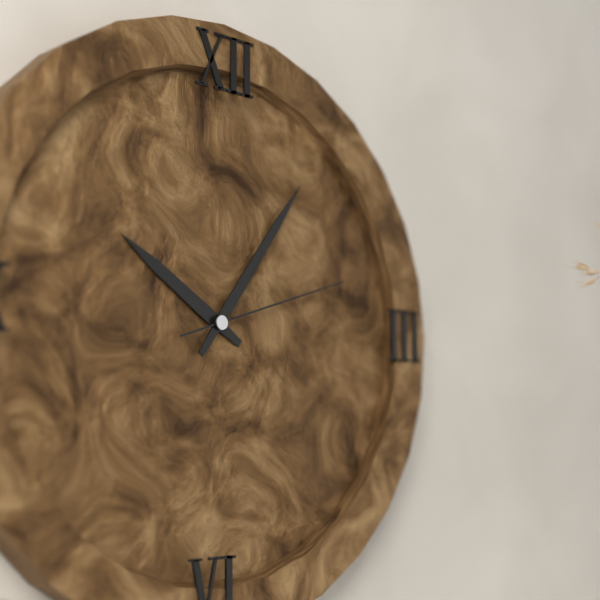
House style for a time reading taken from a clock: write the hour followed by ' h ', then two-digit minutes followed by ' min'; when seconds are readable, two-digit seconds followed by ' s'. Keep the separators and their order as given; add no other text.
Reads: 10 h 06 min 12 s
